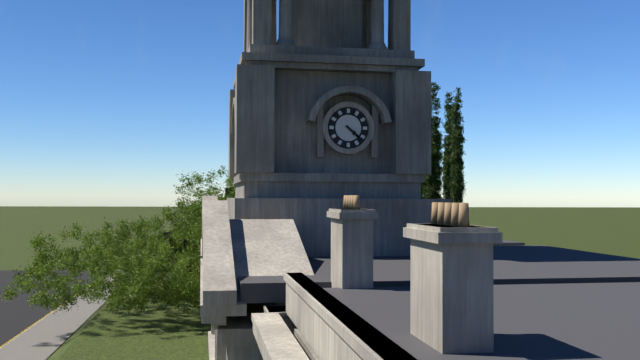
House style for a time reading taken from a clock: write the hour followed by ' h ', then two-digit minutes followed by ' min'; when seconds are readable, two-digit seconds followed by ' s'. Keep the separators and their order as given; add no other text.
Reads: 4 h 22 min
